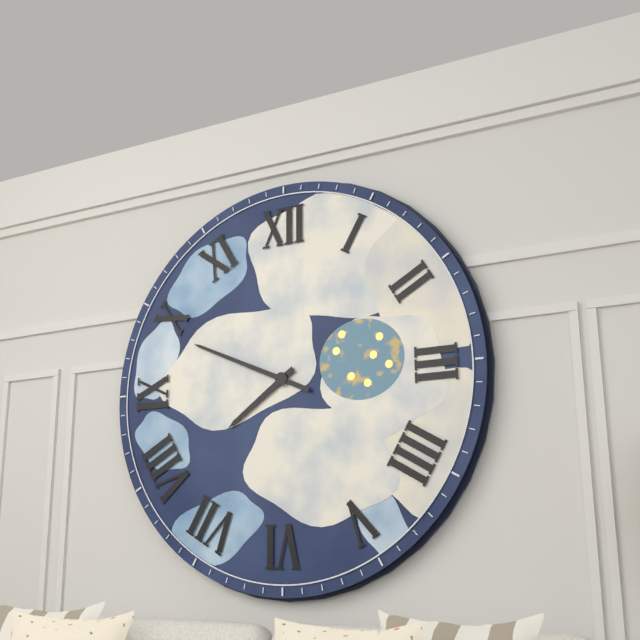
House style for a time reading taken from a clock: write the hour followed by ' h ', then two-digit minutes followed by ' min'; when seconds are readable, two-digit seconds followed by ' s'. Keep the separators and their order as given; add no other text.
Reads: 7 h 49 min
